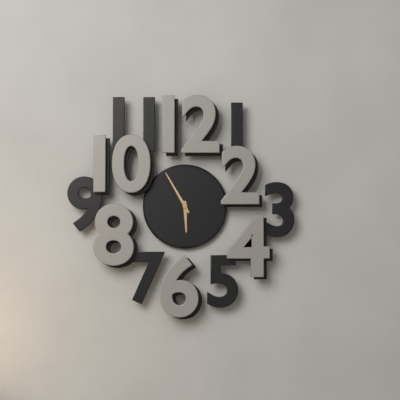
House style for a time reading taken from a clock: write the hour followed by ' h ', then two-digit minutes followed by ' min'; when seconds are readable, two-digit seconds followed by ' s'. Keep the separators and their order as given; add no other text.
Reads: 5 h 55 min
